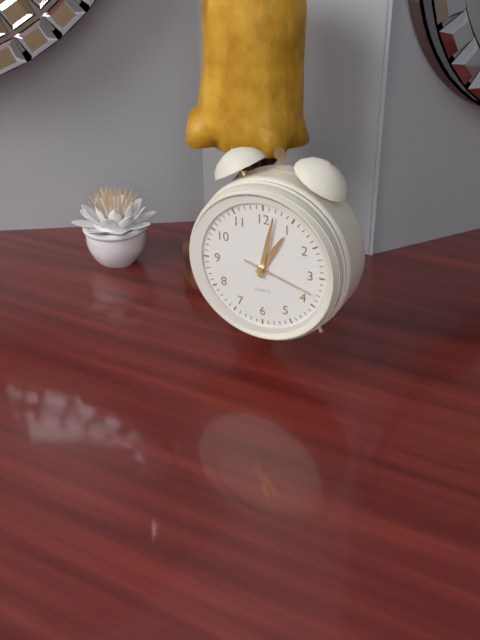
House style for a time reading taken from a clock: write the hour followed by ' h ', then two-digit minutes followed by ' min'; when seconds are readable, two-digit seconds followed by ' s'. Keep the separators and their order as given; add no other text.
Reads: 1 h 02 min 18 s
